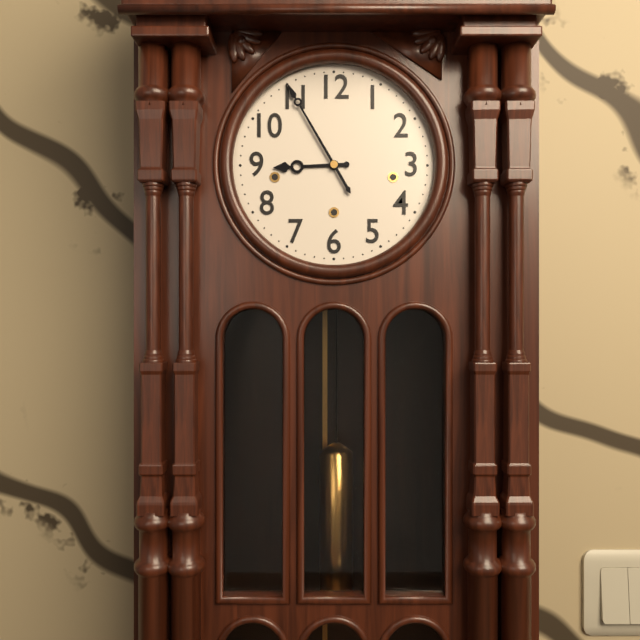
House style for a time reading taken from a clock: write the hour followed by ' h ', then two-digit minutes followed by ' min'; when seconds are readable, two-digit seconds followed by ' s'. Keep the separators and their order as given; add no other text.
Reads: 8 h 55 min
